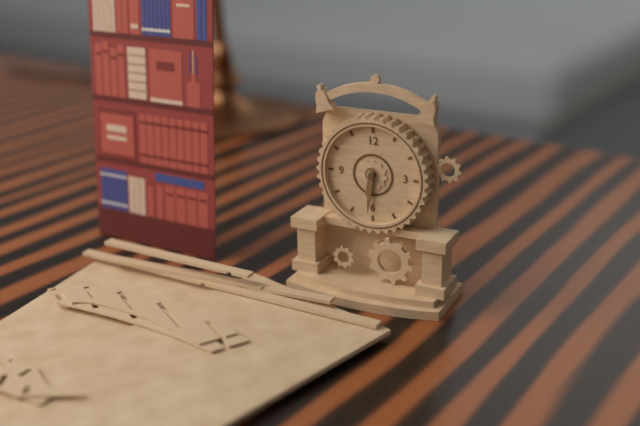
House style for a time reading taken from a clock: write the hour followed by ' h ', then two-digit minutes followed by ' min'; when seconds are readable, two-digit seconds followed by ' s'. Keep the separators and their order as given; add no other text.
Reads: 6 h 31 min
